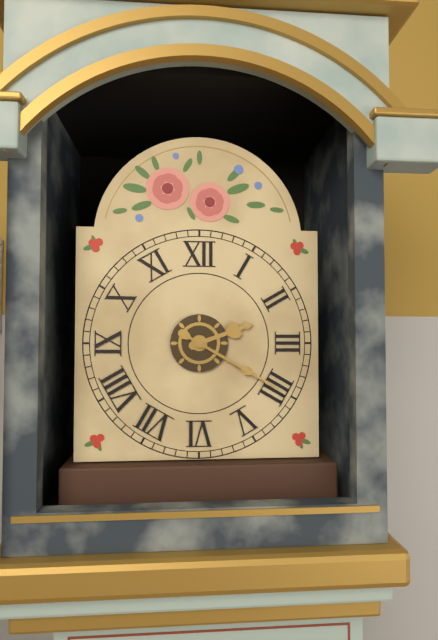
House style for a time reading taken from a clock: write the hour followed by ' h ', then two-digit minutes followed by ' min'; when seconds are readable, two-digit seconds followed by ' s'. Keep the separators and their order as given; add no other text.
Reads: 2 h 20 min
